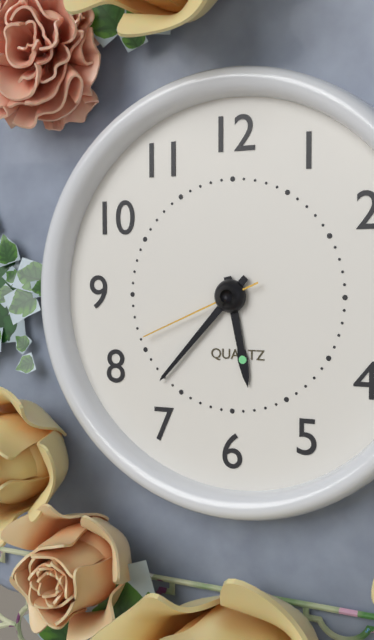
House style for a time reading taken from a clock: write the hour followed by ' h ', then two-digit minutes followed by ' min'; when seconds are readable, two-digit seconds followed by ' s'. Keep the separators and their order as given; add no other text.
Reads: 5 h 37 min 41 s
